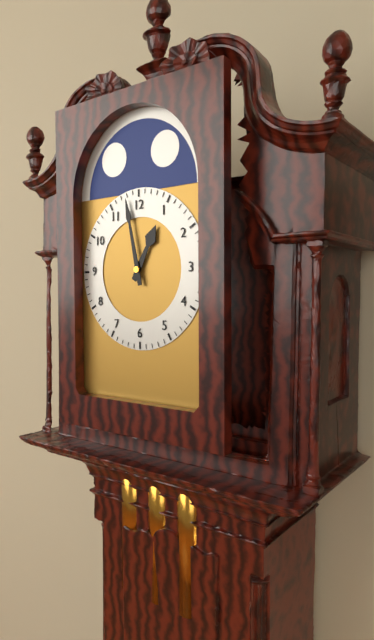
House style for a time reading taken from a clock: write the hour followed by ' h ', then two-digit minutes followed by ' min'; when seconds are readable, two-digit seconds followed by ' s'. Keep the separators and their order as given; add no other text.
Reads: 12 h 58 min
